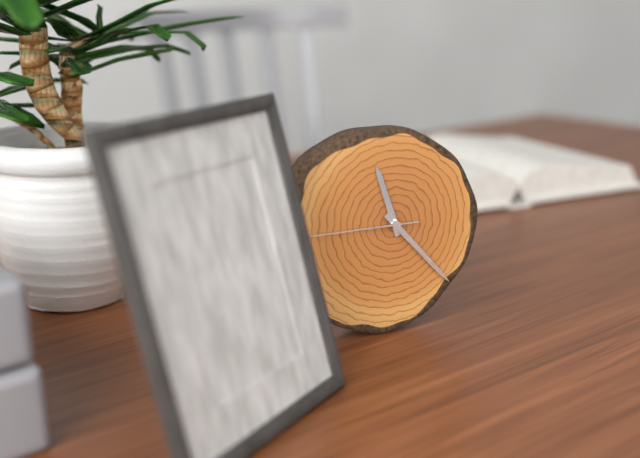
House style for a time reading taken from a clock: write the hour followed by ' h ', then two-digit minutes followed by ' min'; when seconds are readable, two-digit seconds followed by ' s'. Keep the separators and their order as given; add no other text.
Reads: 11 h 23 min 45 s
